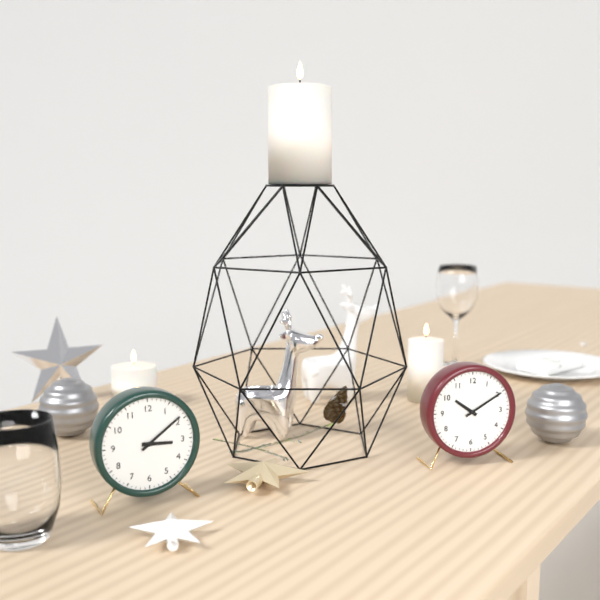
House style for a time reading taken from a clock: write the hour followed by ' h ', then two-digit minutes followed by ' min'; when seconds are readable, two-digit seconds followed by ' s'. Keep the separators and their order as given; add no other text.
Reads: 3 h 09 min
